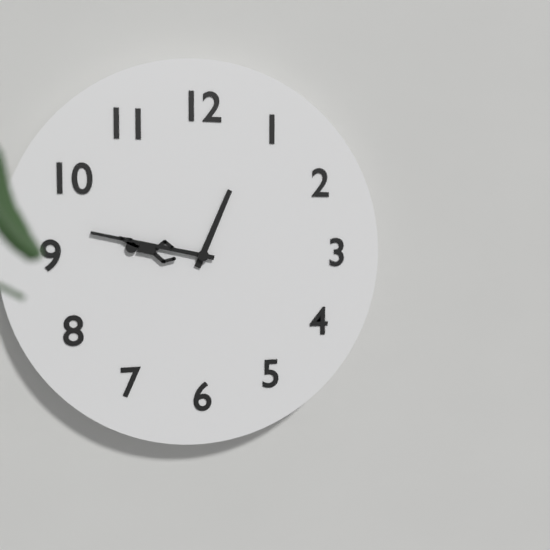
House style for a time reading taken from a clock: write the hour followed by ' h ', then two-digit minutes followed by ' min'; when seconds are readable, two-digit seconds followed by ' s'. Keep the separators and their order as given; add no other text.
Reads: 12 h 47 min
